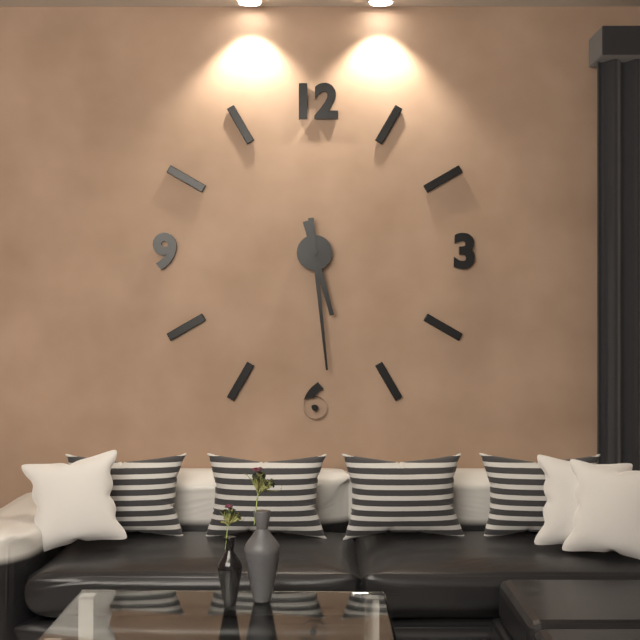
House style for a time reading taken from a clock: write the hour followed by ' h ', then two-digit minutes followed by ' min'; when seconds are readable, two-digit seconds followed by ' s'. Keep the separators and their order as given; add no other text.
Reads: 5 h 29 min
